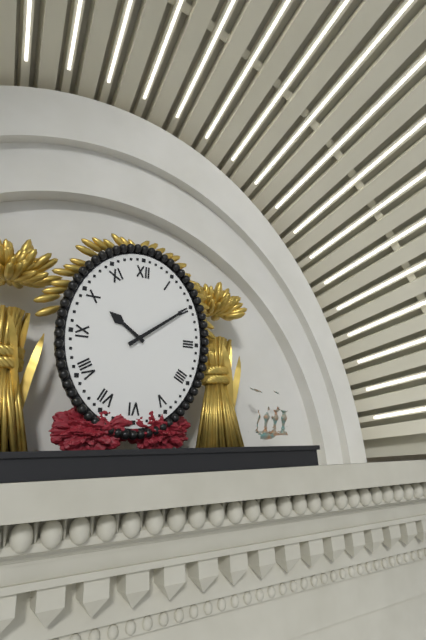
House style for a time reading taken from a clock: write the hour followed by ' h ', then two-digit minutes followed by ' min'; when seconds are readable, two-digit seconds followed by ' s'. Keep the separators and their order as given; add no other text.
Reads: 10 h 09 min
